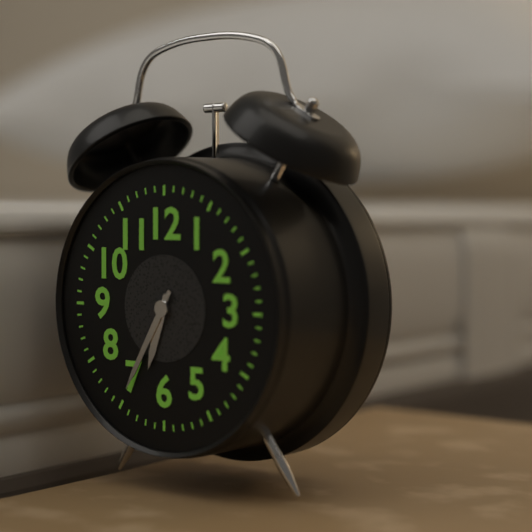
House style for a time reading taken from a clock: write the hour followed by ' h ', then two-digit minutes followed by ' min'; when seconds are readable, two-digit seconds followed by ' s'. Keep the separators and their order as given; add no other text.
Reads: 6 h 35 min
